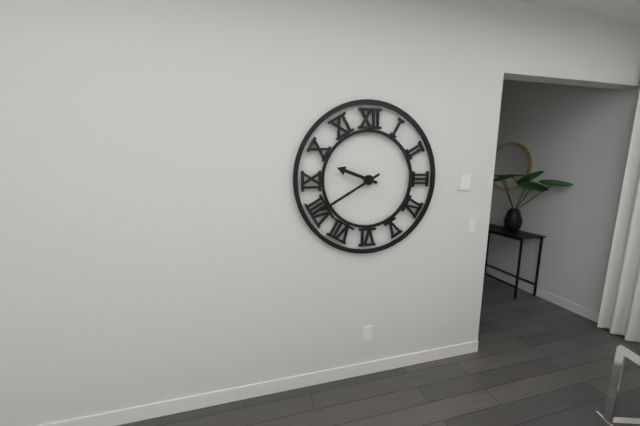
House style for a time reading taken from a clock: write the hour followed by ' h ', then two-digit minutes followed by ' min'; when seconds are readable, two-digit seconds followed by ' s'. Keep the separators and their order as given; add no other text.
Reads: 9 h 40 min
